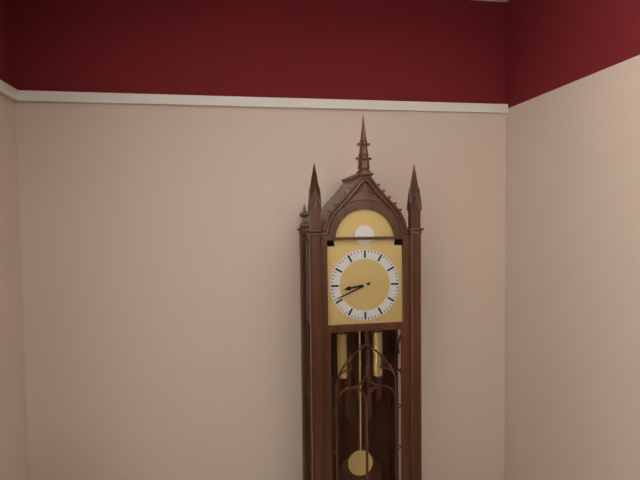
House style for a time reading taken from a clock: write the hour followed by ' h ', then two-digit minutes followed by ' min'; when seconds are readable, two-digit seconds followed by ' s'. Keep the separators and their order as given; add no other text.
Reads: 8 h 41 min
